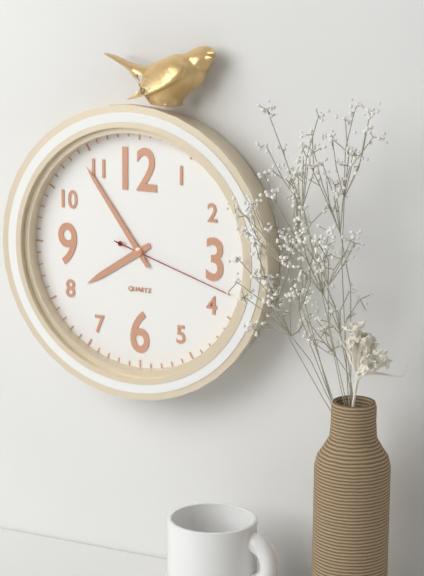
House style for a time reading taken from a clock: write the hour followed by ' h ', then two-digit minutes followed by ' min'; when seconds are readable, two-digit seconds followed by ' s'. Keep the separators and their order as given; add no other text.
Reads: 7 h 54 min 18 s
